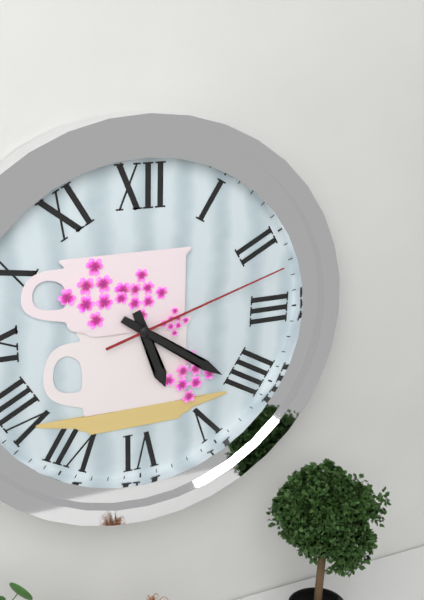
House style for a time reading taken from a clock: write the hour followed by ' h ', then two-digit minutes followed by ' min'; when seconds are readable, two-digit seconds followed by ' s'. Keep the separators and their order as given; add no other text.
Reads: 5 h 21 min 12 s
